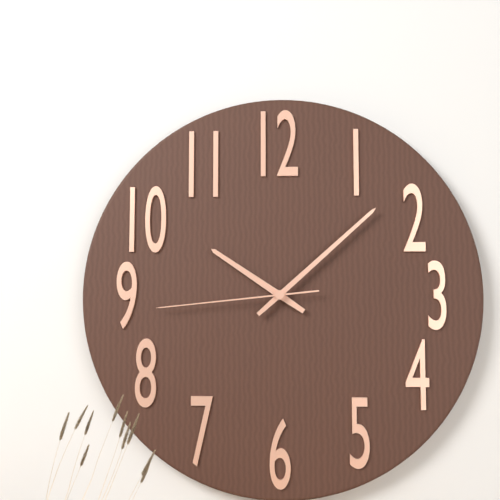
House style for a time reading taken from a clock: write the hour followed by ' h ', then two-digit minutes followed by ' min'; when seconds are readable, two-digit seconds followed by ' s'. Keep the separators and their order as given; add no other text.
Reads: 10 h 08 min 44 s
